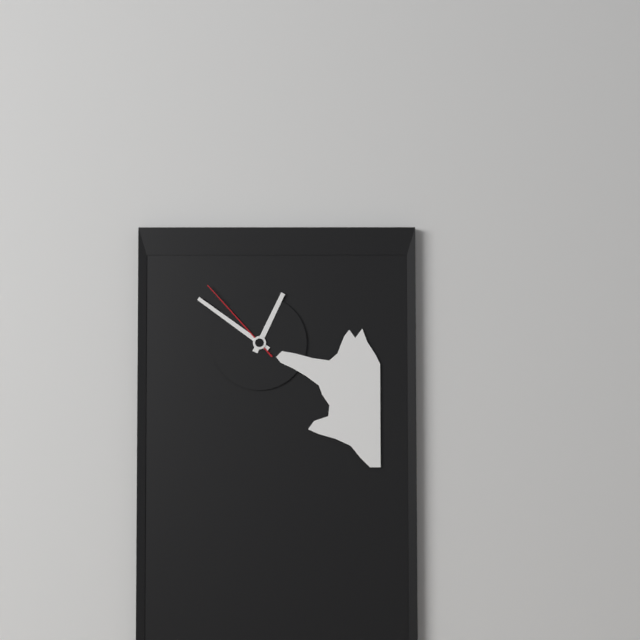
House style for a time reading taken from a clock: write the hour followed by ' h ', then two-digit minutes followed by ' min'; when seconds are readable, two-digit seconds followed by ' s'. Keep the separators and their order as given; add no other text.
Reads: 12 h 51 min 53 s
